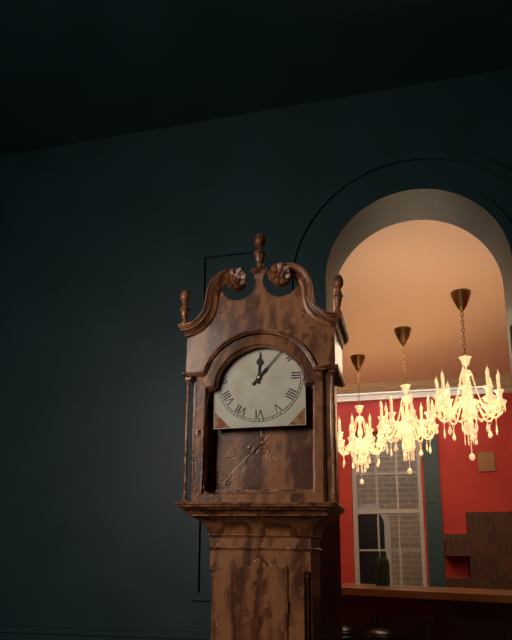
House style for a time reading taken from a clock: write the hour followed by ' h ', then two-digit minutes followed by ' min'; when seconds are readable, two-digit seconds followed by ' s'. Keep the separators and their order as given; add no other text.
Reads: 12 h 07 min
